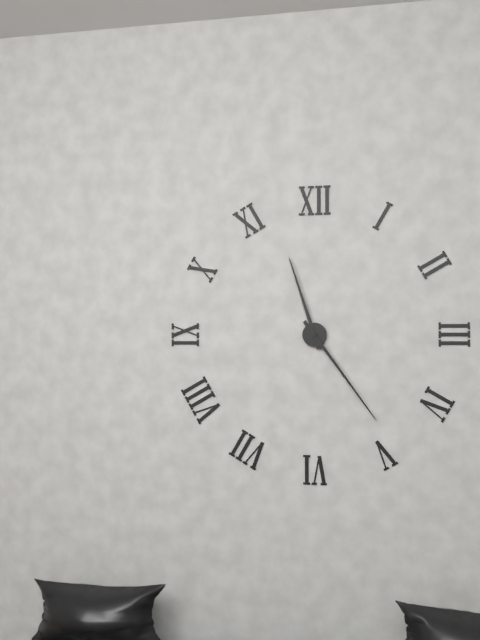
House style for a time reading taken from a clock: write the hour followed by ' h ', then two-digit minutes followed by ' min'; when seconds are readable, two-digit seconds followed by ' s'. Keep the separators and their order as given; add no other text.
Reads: 11 h 24 min
